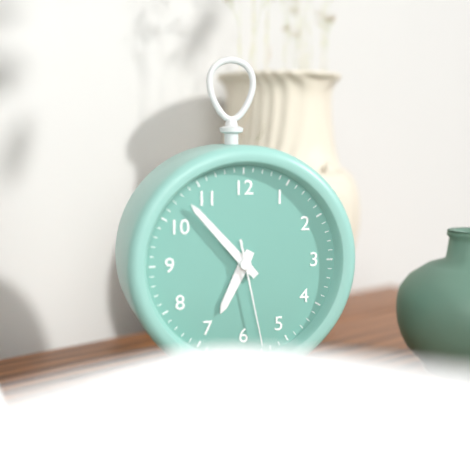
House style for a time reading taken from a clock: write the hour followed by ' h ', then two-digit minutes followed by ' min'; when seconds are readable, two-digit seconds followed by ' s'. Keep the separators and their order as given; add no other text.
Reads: 6 h 53 min 28 s
